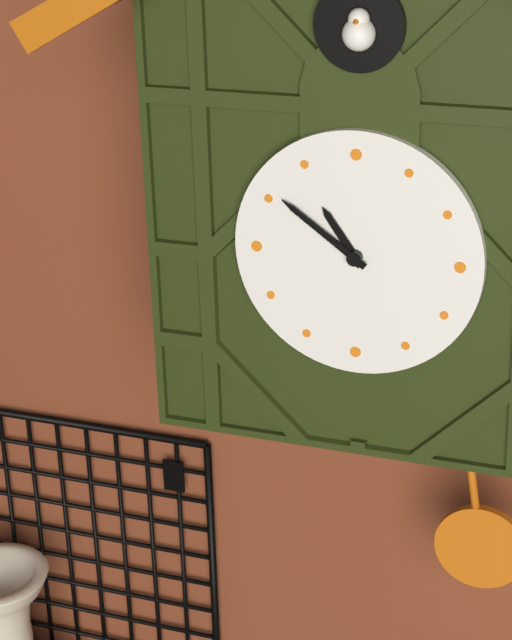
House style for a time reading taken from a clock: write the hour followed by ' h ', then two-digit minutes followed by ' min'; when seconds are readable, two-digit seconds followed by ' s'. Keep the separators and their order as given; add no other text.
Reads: 10 h 51 min
